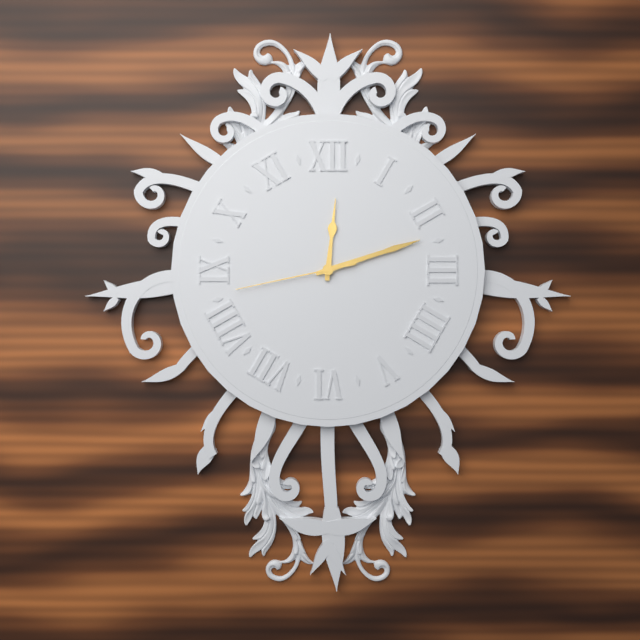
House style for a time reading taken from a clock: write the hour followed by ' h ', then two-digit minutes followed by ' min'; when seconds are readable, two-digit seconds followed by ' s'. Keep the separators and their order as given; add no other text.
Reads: 12 h 12 min 43 s
